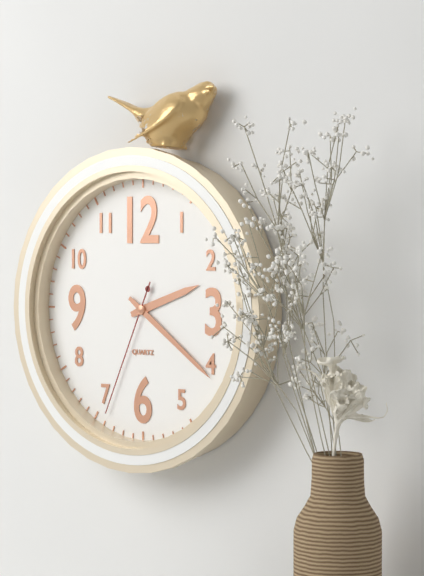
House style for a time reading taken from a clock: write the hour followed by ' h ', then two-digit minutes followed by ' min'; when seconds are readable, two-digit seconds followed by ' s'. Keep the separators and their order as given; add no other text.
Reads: 2 h 21 min 34 s
